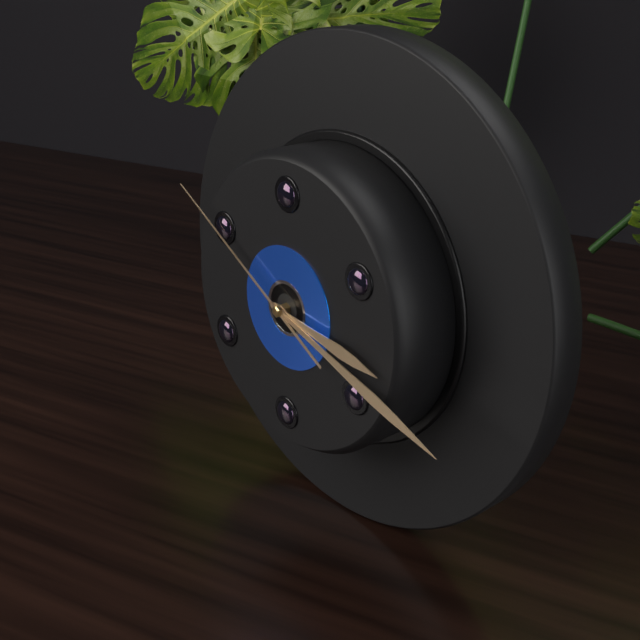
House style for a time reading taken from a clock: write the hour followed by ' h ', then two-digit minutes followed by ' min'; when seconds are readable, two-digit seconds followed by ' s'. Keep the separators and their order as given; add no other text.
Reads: 3 h 18 min 50 s
